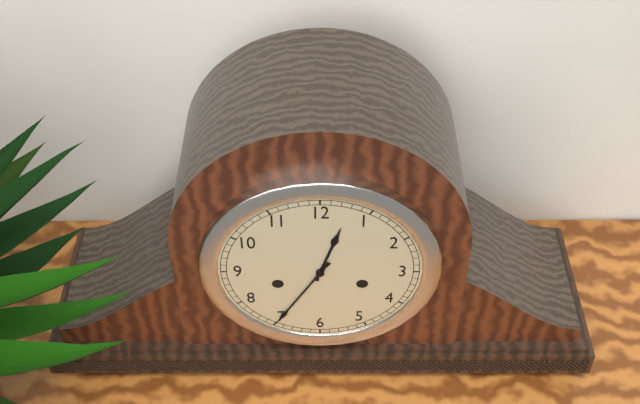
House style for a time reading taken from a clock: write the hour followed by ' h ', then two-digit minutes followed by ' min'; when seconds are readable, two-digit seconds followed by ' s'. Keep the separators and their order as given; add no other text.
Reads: 12 h 35 min
